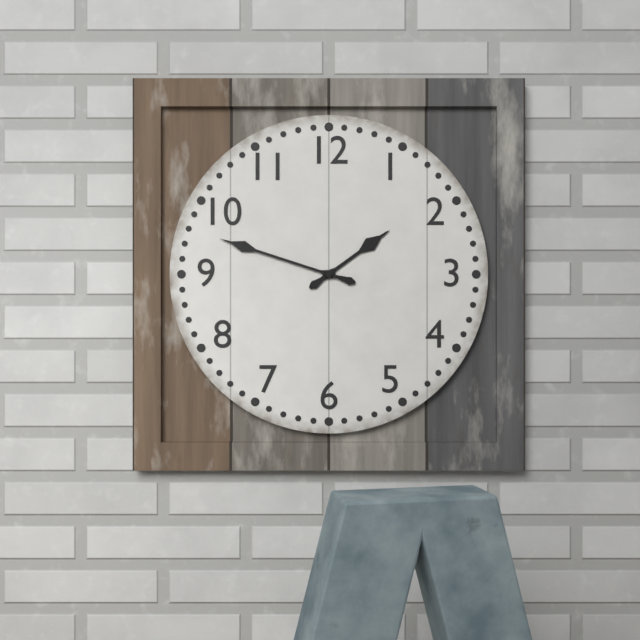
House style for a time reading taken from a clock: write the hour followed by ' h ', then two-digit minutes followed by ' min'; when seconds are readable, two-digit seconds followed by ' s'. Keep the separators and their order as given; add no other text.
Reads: 1 h 48 min
